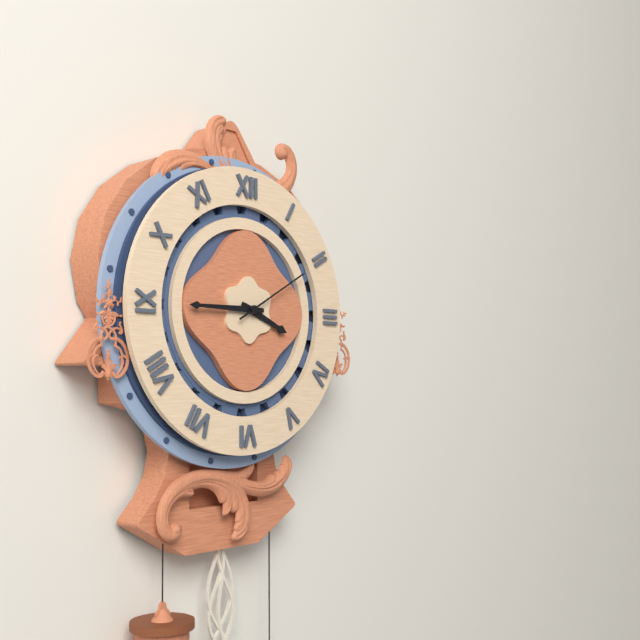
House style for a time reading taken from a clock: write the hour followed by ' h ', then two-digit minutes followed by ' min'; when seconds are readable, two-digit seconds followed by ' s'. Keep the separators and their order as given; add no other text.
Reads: 3 h 45 min 10 s
